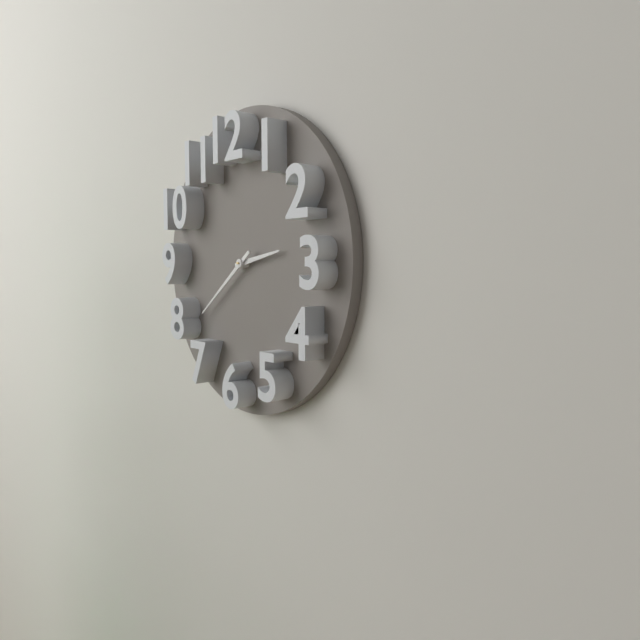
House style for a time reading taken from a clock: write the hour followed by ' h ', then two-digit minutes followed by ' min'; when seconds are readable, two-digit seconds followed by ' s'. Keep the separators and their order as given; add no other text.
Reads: 2 h 39 min
